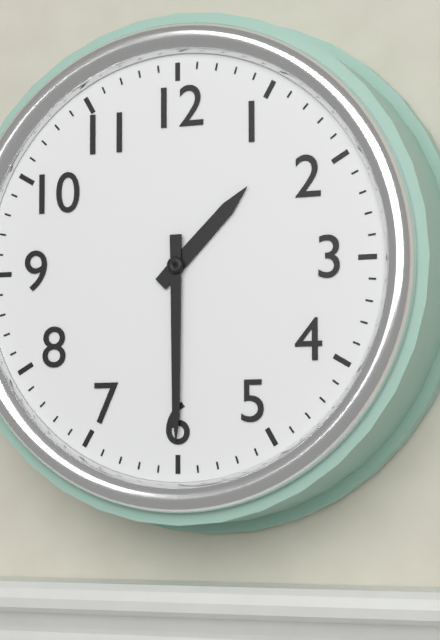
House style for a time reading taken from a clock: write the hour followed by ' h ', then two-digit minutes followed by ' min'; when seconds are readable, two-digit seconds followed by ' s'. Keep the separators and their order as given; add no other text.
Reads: 1 h 30 min
